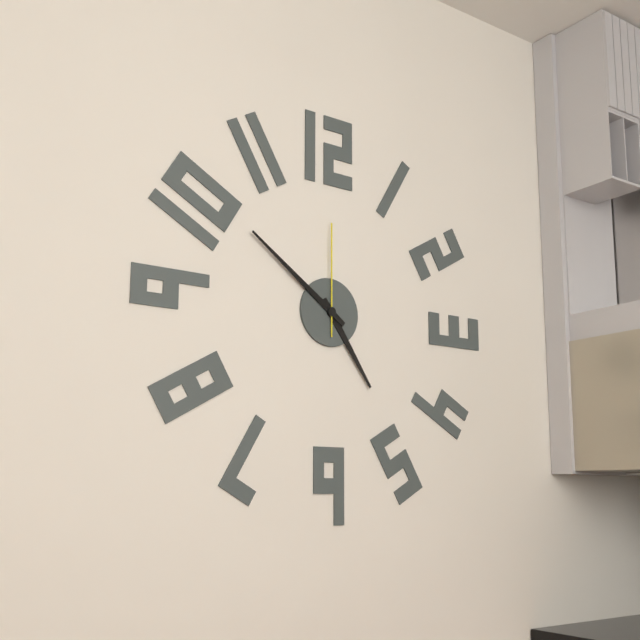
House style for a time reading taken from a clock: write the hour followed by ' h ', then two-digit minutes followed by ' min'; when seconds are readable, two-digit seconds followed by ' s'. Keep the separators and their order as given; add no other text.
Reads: 4 h 51 min 00 s
